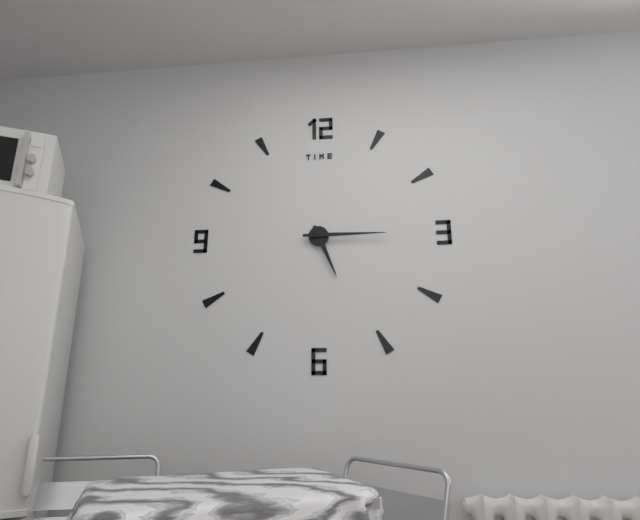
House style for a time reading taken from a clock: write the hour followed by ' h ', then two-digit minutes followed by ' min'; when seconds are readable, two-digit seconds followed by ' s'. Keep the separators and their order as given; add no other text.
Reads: 5 h 15 min
